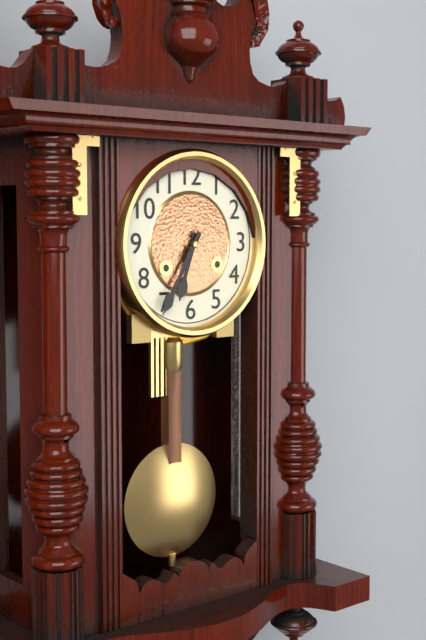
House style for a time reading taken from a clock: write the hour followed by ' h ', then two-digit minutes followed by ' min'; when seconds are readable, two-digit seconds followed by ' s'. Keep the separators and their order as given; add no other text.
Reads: 6 h 35 min
